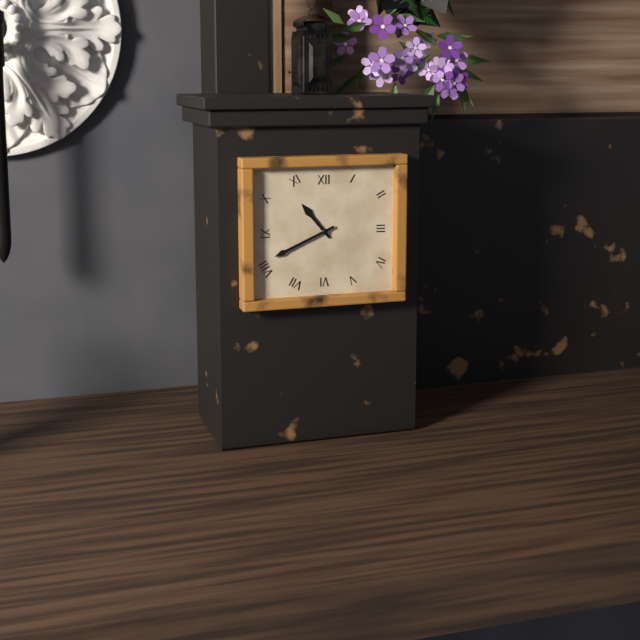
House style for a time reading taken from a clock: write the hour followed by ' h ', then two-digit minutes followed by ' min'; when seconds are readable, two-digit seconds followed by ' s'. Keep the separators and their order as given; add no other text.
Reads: 10 h 41 min
